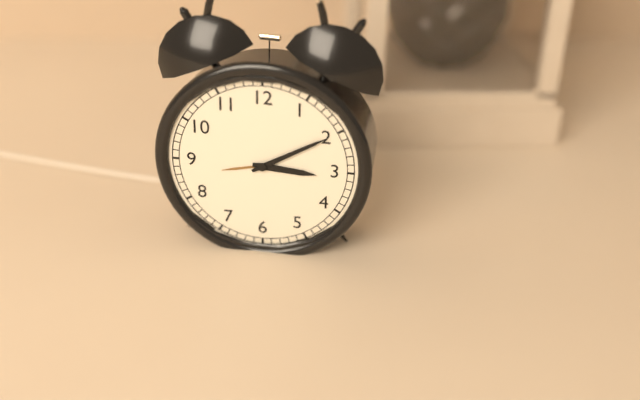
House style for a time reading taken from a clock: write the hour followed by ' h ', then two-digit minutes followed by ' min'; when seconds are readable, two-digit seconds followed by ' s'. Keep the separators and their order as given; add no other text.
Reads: 3 h 10 min
